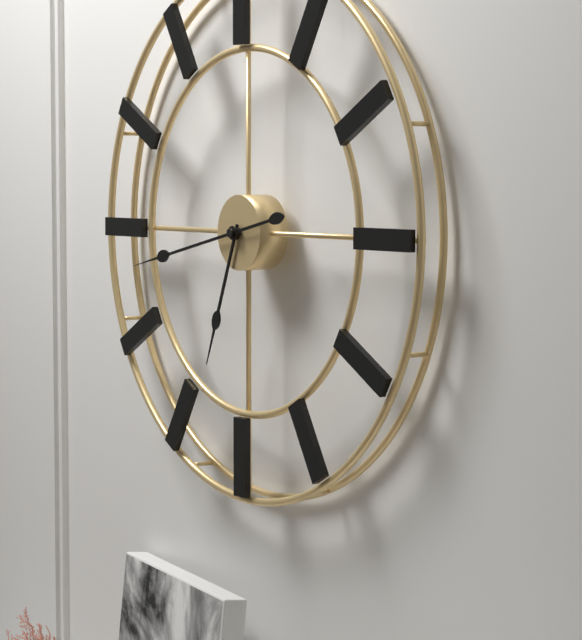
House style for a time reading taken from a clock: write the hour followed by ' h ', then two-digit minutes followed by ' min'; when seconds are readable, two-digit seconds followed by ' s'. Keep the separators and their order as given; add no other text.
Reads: 6 h 43 min
